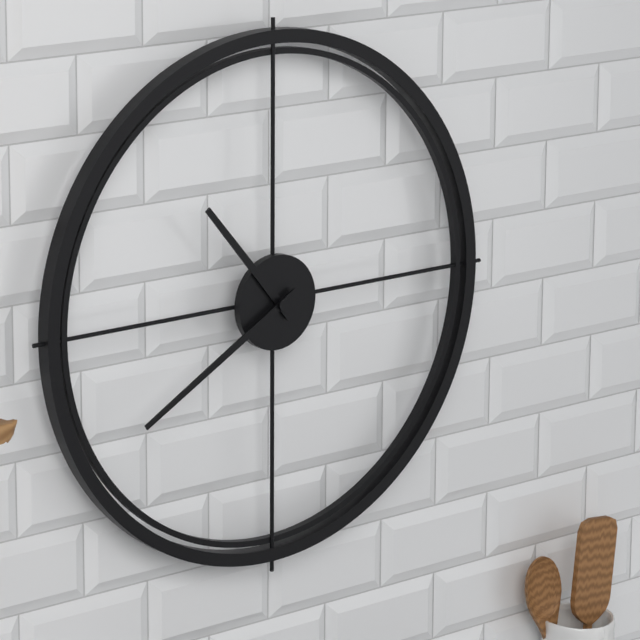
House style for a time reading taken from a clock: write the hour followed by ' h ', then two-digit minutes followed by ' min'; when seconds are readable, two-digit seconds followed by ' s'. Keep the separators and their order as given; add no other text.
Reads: 10 h 40 min
